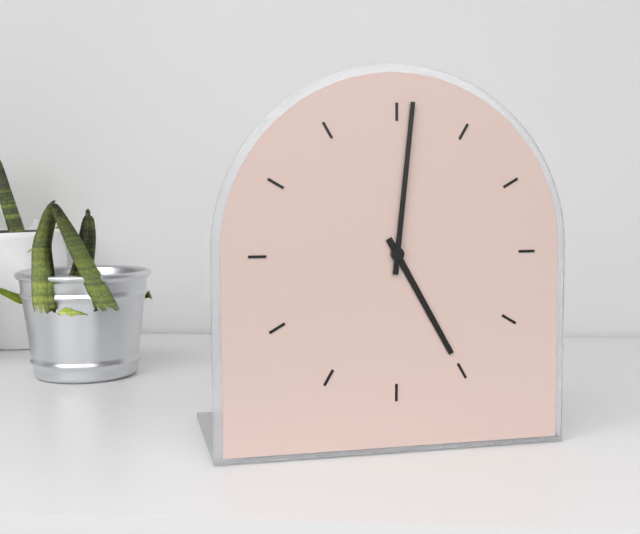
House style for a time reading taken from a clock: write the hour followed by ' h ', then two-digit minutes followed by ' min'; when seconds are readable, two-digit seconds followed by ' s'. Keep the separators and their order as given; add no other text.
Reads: 5 h 01 min
